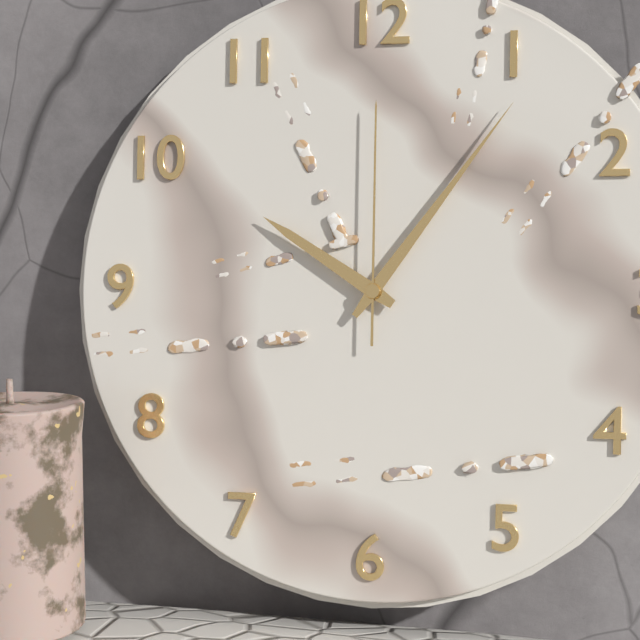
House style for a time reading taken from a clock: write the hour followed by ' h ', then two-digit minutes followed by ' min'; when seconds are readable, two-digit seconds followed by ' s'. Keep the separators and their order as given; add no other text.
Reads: 10 h 06 min 00 s
